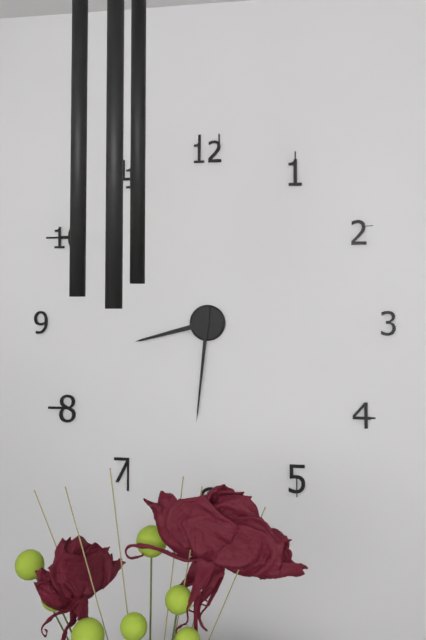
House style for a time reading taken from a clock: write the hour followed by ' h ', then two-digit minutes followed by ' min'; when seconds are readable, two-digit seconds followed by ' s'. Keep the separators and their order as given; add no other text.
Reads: 8 h 31 min
